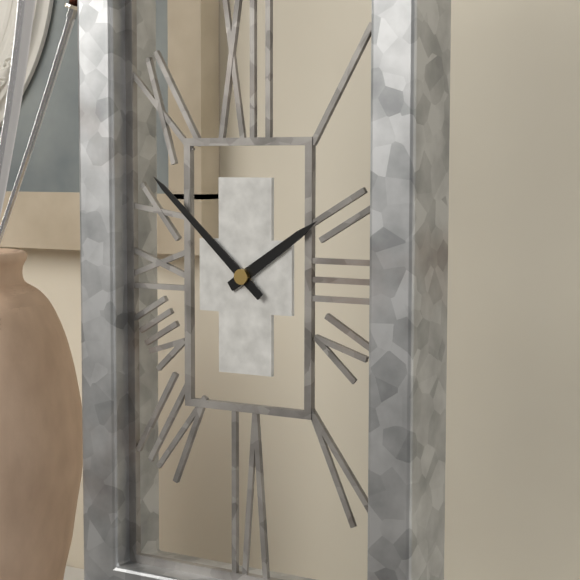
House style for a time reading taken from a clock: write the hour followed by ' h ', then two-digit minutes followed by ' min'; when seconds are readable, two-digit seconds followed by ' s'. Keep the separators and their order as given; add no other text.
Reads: 1 h 52 min
